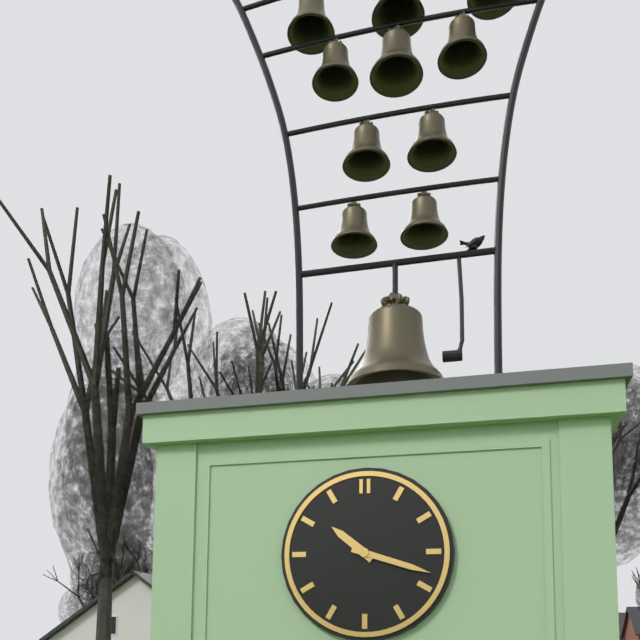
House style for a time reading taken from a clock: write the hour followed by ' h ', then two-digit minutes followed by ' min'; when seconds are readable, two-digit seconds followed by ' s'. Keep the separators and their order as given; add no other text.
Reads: 10 h 18 min
